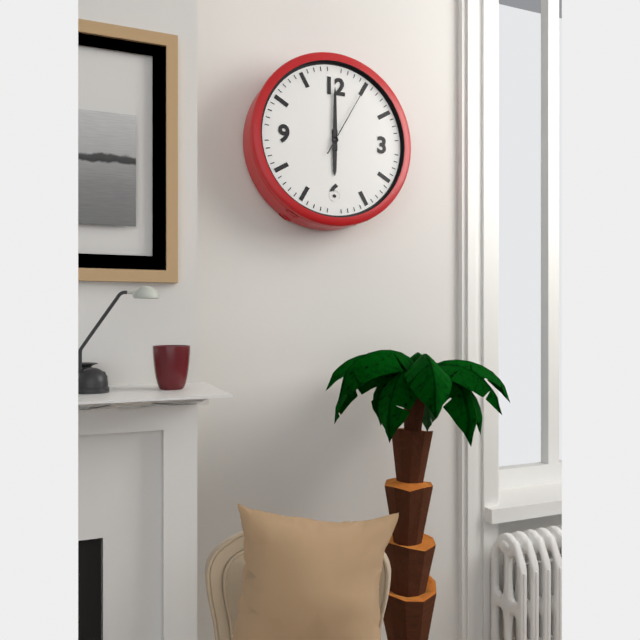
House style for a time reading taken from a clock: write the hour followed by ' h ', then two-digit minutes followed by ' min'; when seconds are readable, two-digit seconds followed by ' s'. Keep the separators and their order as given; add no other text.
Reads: 6 h 00 min 05 s
